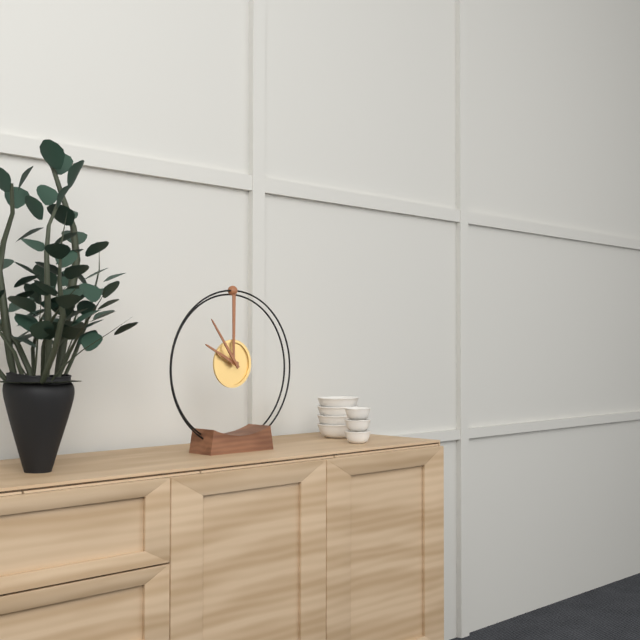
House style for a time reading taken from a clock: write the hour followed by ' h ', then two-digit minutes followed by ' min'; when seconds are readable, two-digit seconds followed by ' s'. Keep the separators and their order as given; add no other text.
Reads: 9 h 54 min
